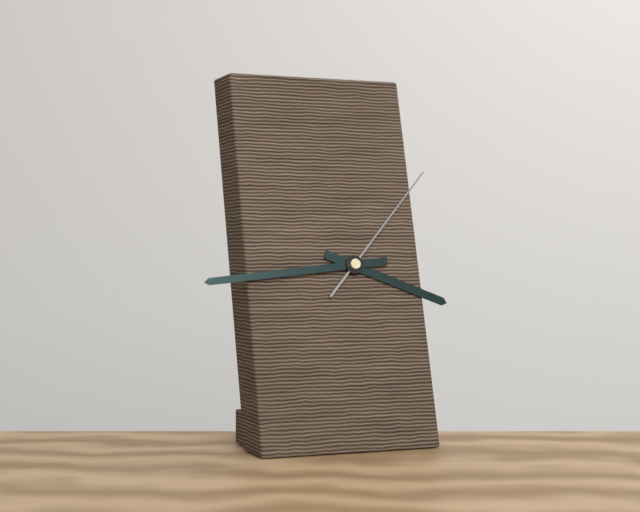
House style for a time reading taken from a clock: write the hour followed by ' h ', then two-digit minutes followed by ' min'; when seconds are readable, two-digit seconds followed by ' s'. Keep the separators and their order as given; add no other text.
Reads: 3 h 44 min 07 s
